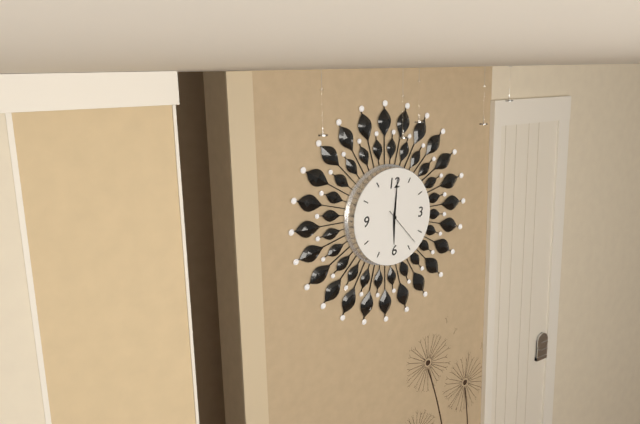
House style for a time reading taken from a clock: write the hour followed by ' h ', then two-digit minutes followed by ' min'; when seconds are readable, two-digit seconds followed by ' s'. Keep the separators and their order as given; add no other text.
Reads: 6 h 01 min
